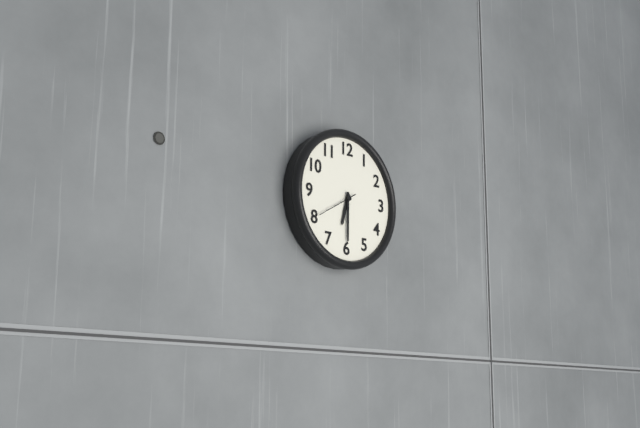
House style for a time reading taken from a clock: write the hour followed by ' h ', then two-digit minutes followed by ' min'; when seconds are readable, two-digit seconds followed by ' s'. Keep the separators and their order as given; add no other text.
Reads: 6 h 30 min
